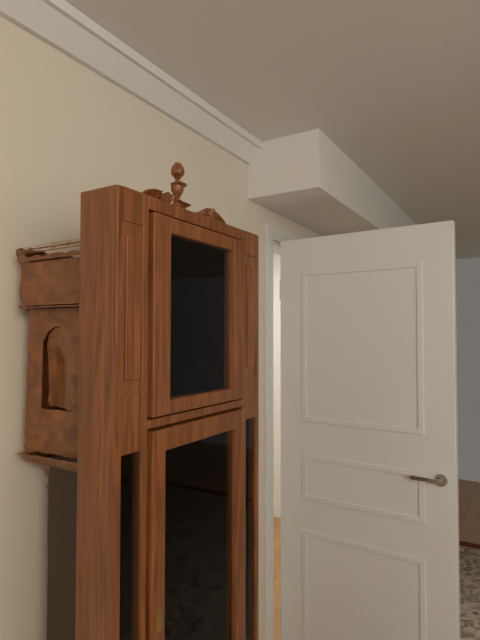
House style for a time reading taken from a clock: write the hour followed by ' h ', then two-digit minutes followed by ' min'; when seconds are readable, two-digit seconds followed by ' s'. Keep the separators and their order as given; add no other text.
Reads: 12 h 29 min
